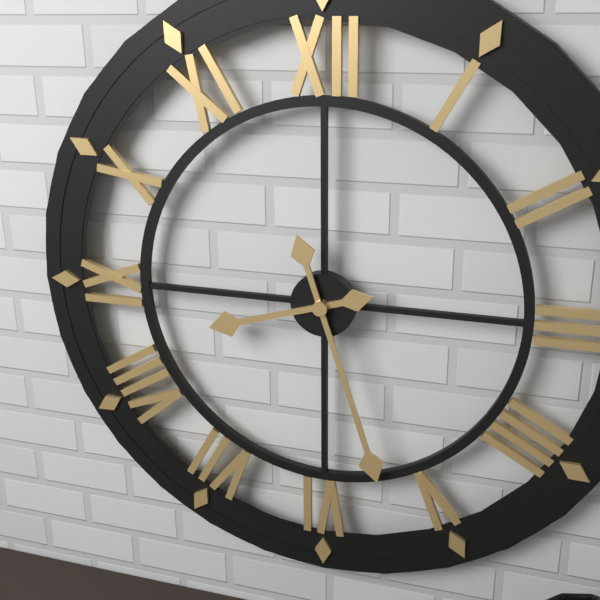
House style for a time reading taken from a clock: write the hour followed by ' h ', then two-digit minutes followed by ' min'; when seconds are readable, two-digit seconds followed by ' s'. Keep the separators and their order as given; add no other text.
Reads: 8 h 27 min
